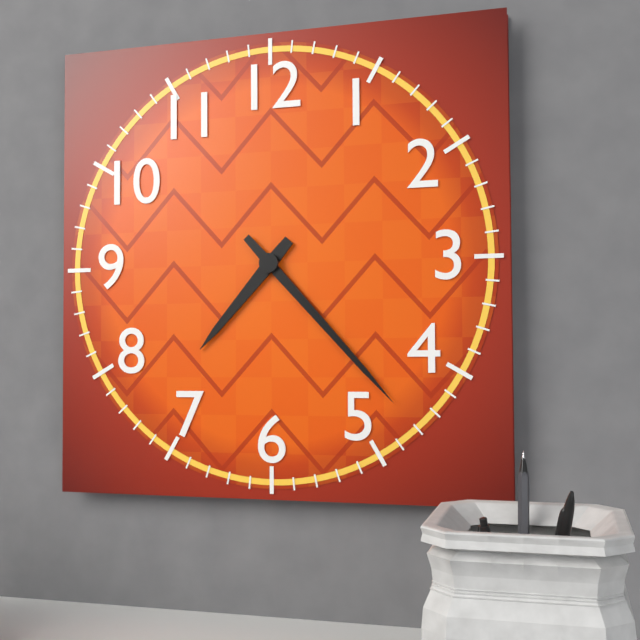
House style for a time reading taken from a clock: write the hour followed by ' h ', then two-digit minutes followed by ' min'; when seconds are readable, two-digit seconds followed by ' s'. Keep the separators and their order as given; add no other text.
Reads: 7 h 23 min
